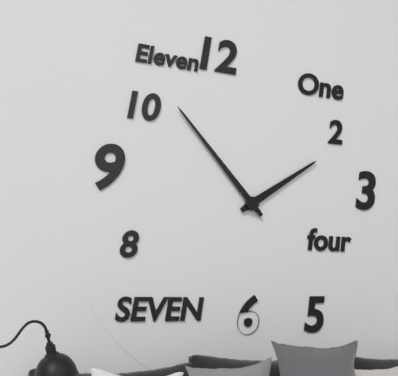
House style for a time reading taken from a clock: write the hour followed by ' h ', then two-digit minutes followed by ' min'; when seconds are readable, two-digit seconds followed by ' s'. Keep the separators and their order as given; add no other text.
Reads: 1 h 53 min
